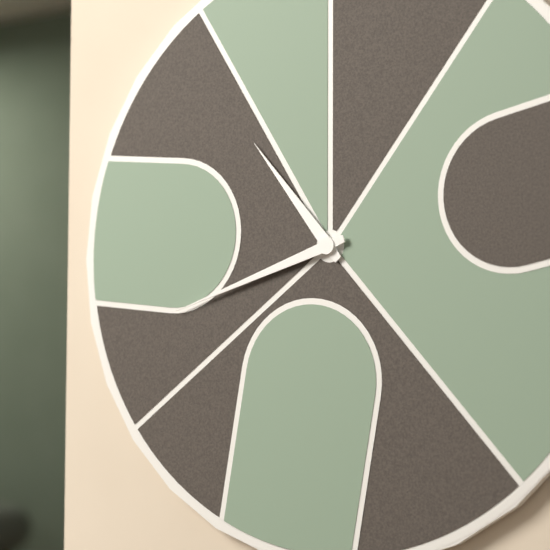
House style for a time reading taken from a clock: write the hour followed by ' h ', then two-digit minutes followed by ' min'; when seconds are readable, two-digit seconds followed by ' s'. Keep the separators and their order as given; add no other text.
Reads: 10 h 42 min
